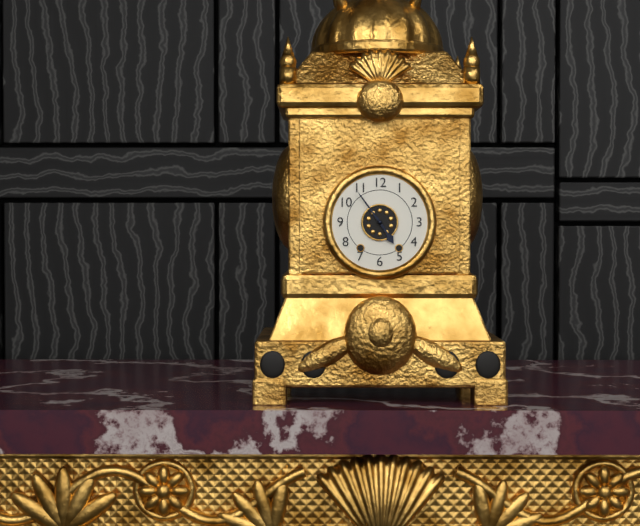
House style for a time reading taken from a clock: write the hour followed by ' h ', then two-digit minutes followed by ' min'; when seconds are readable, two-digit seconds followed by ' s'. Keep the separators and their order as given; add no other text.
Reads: 4 h 54 min
